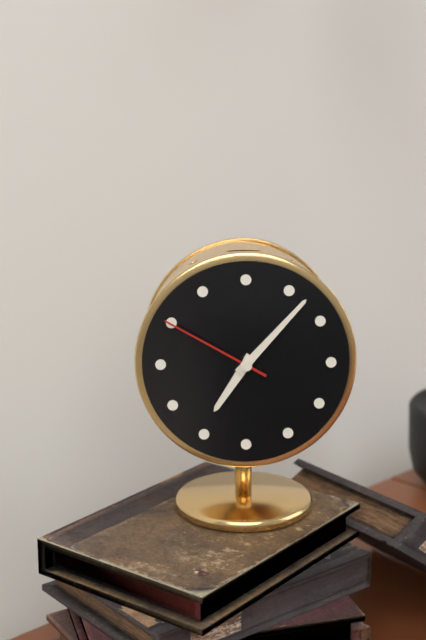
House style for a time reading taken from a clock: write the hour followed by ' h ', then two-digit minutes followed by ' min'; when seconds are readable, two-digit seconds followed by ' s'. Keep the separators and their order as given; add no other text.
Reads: 7 h 07 min 50 s
